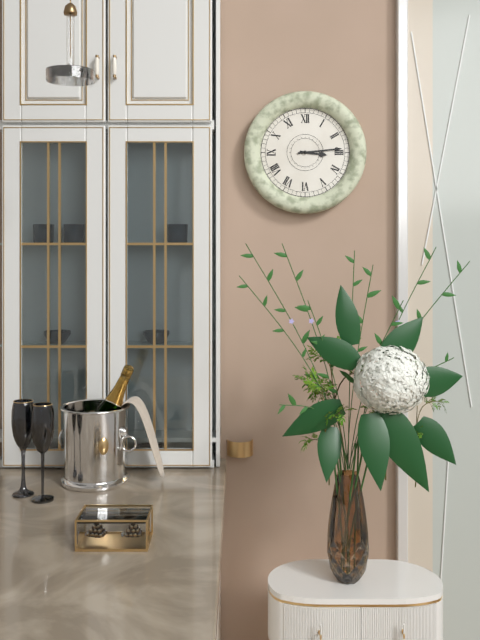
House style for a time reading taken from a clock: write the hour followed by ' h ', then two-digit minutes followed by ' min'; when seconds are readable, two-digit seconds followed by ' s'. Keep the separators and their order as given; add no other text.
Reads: 3 h 14 min
